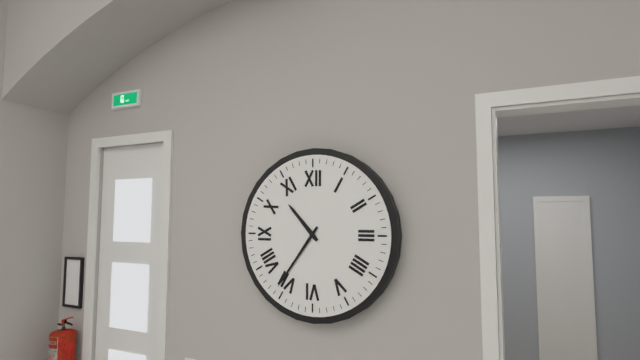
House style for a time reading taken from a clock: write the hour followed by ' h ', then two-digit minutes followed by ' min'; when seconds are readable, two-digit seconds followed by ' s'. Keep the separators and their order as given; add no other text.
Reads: 10 h 36 min
